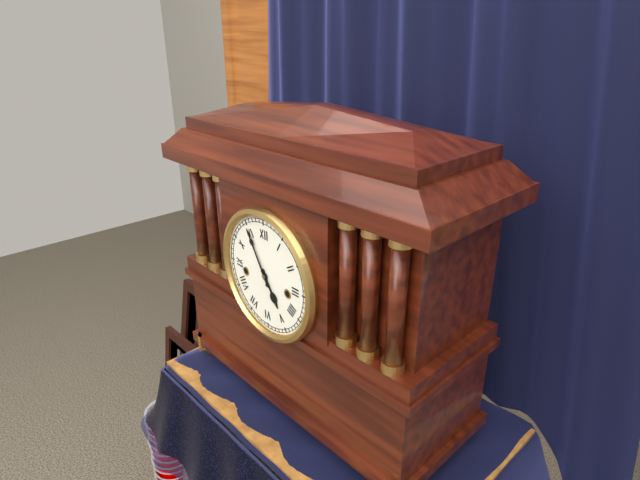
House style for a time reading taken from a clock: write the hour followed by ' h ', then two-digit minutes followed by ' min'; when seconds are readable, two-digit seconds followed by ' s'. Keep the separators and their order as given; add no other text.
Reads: 4 h 55 min
